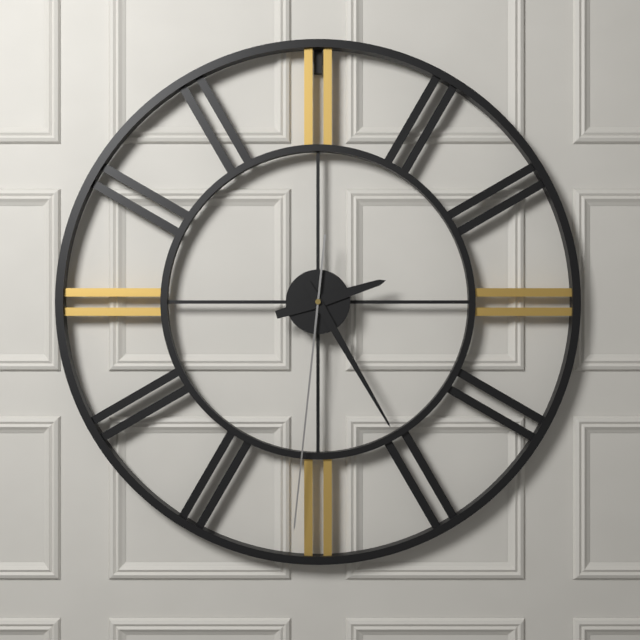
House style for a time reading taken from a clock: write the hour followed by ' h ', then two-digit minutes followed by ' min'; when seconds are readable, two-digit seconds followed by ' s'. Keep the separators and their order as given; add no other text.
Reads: 2 h 25 min 31 s
